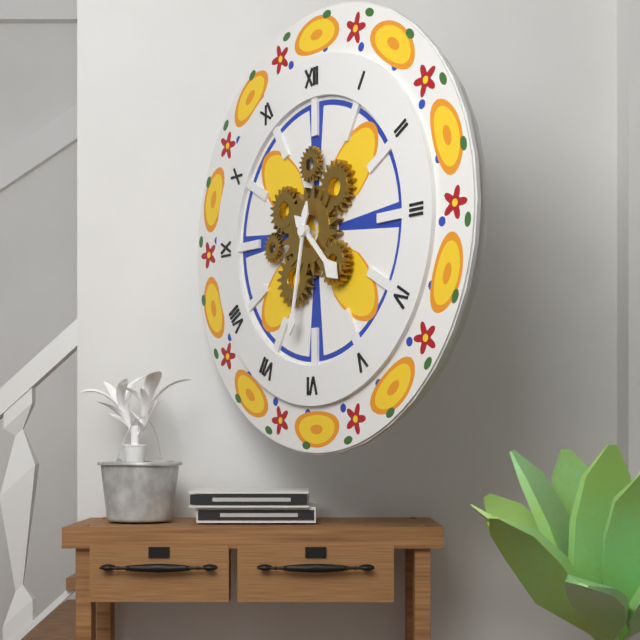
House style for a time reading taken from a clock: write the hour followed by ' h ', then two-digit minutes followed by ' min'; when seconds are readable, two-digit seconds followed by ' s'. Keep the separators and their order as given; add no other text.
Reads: 4 h 32 min
